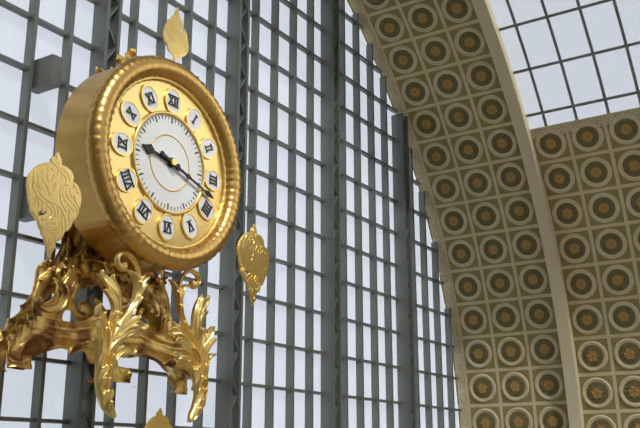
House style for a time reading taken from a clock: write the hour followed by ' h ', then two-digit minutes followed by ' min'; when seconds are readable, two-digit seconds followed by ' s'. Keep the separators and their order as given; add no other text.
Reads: 9 h 18 min
